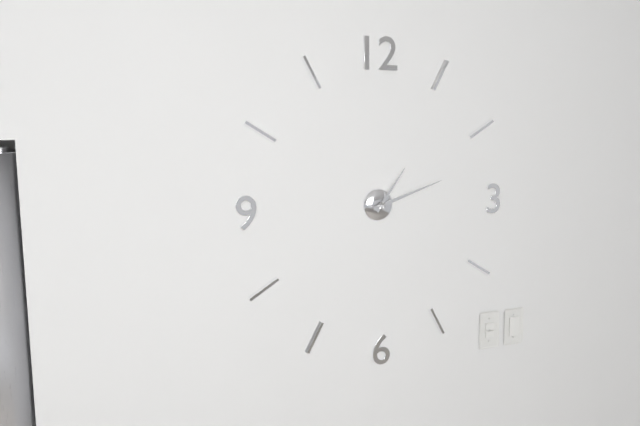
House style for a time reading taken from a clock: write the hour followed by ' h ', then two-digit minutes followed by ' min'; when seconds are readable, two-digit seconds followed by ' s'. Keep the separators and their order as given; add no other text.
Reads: 1 h 12 min
